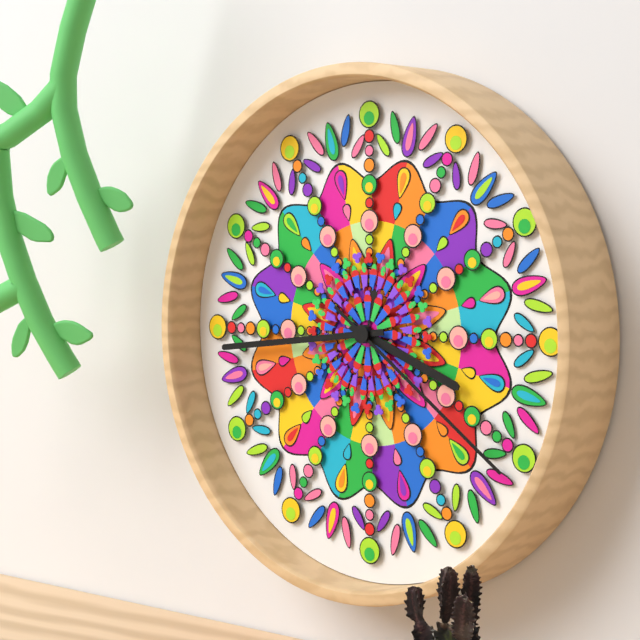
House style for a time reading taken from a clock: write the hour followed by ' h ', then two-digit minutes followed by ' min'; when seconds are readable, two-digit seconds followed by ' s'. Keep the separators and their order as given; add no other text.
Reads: 3 h 44 min 21 s
